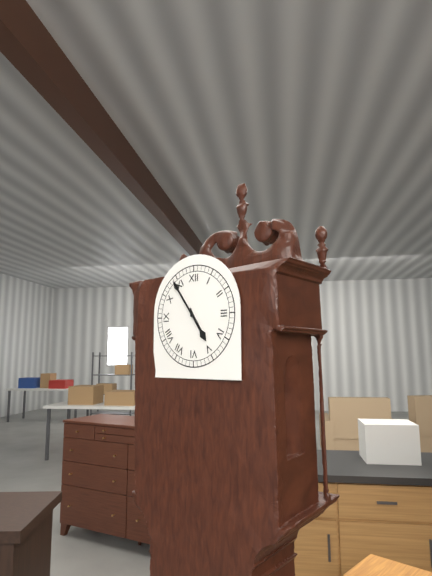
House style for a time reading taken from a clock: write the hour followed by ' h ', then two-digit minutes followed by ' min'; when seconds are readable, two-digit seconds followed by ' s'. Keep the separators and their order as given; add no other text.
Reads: 4 h 54 min
